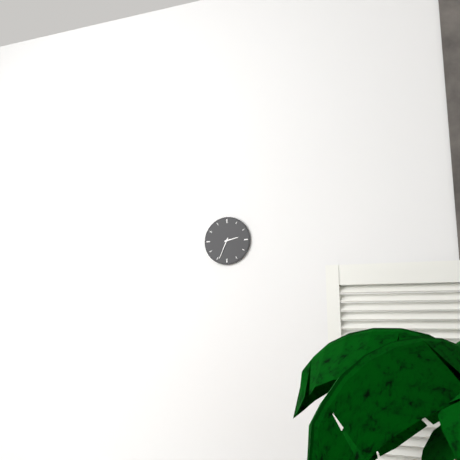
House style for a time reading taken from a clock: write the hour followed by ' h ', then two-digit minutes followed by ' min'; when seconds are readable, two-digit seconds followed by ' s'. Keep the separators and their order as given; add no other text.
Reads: 2 h 34 min
